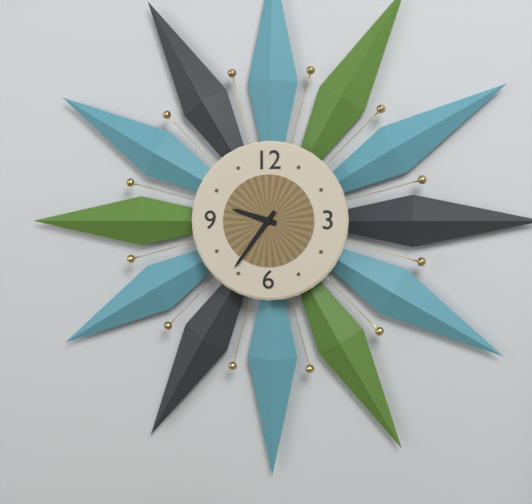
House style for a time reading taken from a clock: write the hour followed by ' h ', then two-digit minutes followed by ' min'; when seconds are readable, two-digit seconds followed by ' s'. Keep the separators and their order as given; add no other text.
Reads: 9 h 36 min
